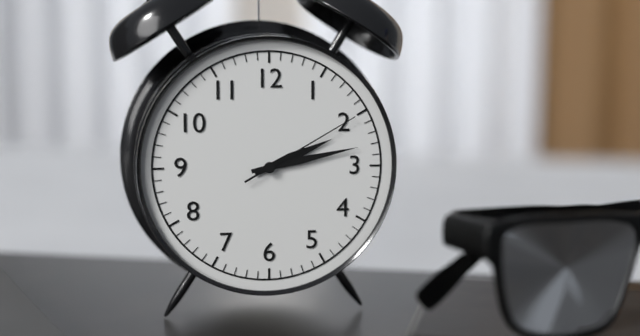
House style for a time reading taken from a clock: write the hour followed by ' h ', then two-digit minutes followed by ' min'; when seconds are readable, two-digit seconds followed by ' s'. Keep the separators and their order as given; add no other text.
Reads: 2 h 13 min 10 s
